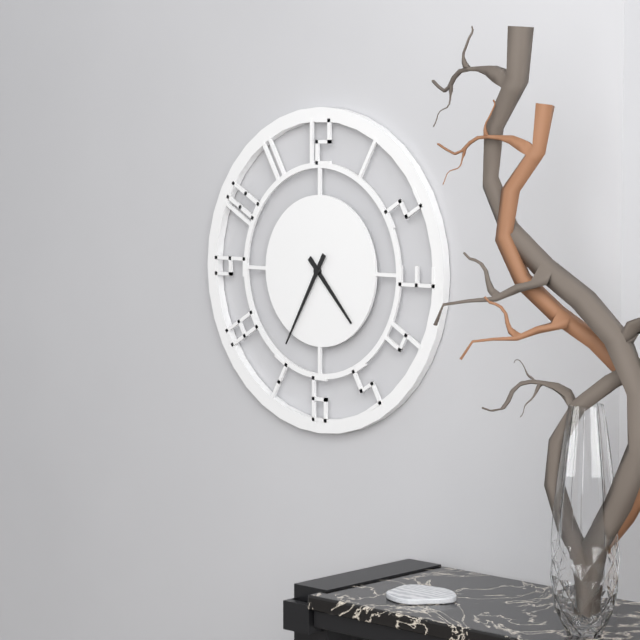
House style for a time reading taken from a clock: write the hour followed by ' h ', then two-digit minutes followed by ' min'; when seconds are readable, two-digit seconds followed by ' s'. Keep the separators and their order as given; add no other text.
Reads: 4 h 35 min
